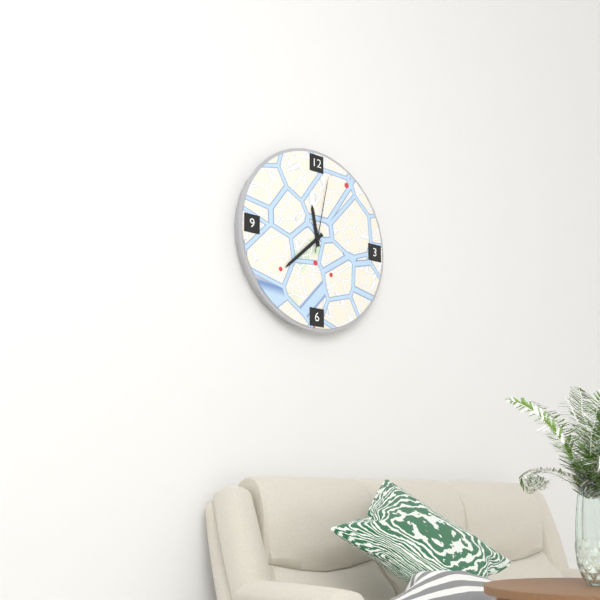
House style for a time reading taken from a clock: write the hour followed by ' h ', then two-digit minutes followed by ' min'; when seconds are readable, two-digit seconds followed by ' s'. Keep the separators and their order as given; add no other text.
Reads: 11 h 38 min 02 s
